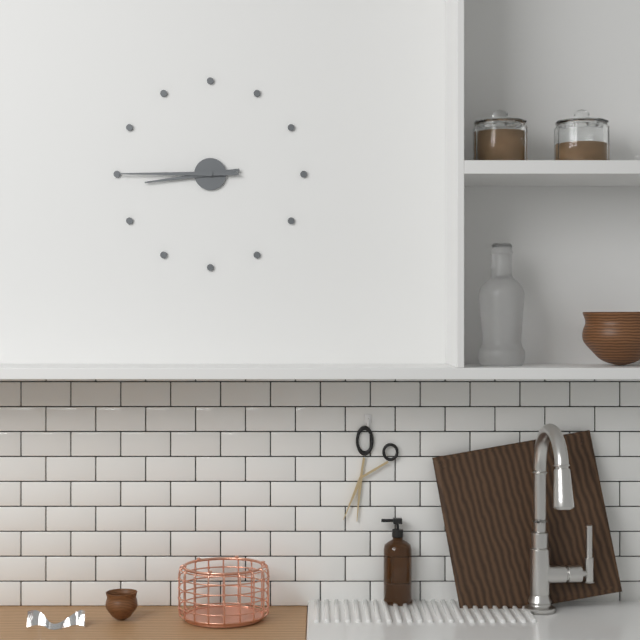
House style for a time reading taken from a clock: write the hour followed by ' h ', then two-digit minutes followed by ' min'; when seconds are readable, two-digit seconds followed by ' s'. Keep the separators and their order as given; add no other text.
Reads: 8 h 45 min
